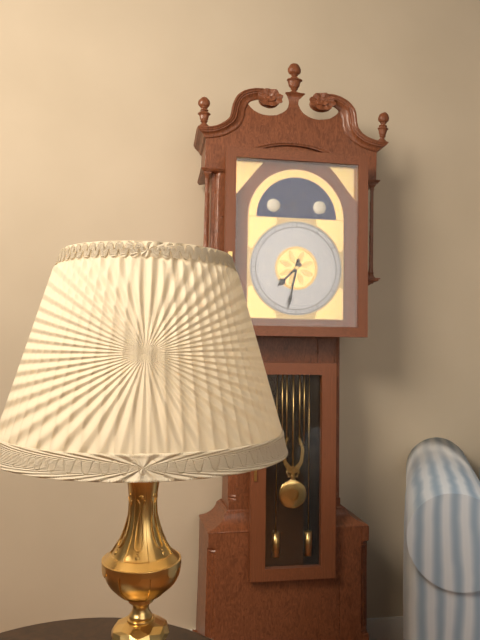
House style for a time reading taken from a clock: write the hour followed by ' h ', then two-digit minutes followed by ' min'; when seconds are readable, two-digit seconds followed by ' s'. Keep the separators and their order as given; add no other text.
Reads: 7 h 32 min
